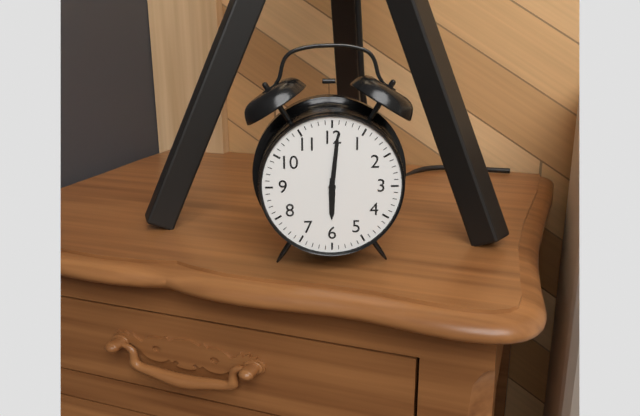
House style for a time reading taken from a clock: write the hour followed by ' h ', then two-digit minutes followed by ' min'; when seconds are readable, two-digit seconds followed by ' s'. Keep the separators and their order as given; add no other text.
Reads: 6 h 01 min
